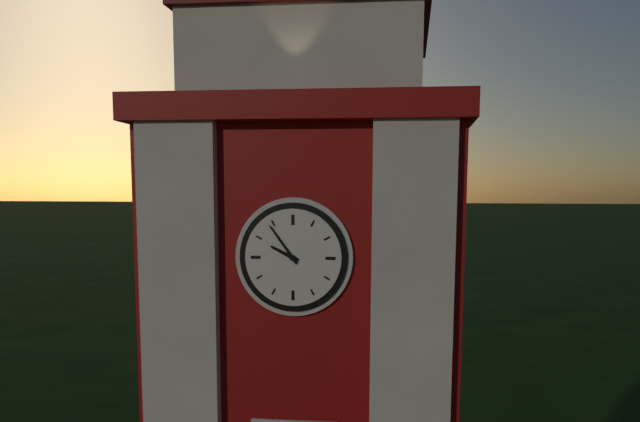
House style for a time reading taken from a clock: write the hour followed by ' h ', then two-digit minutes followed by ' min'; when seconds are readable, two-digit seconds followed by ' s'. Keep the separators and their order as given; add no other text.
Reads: 9 h 54 min
